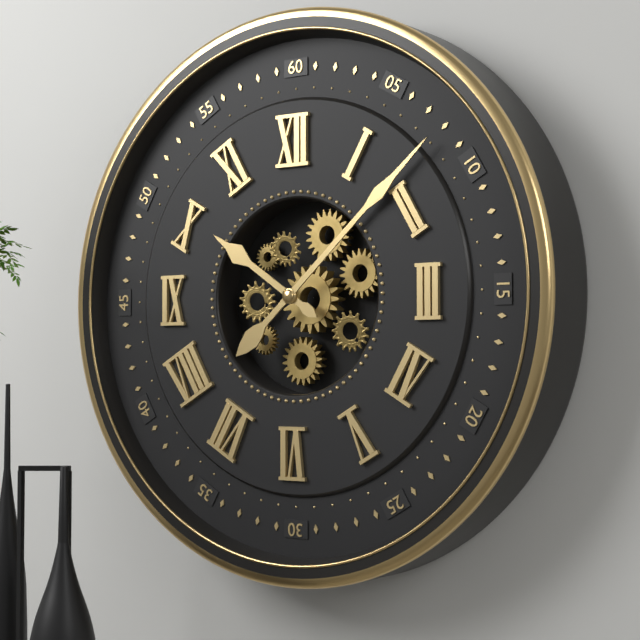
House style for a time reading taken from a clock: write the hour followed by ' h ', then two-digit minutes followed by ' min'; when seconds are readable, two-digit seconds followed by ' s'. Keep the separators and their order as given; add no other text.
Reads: 10 h 08 min
